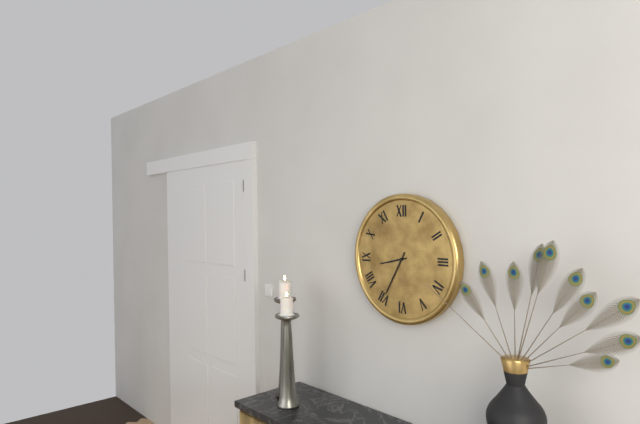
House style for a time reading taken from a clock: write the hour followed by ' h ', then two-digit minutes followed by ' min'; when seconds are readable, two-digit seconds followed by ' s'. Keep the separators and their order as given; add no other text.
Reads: 8 h 35 min
